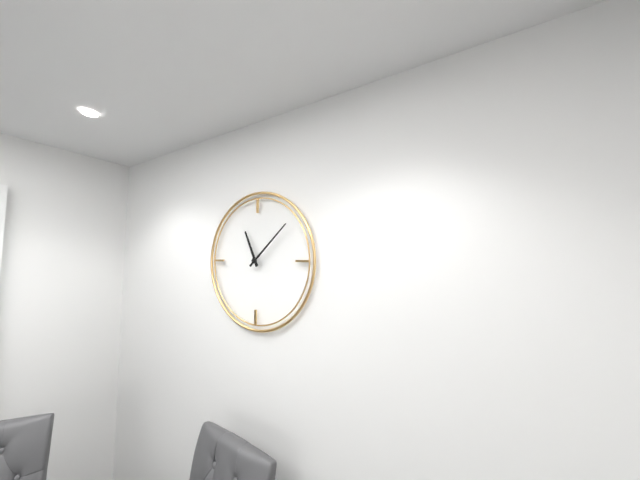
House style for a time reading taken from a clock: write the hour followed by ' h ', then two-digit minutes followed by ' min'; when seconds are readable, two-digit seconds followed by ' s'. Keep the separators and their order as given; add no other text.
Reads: 11 h 08 min
